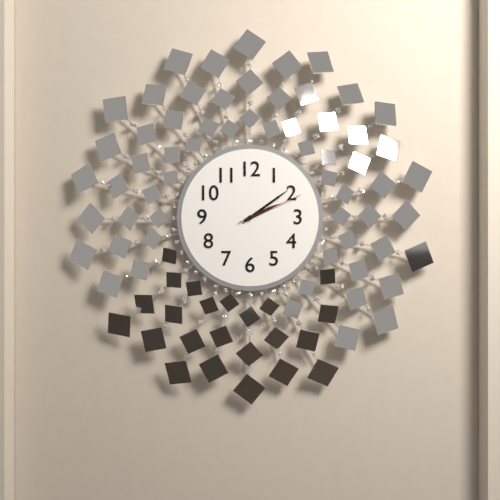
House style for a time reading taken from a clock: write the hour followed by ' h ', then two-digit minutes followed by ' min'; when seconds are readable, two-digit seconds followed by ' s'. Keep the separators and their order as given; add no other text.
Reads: 2 h 09 min 11 s
